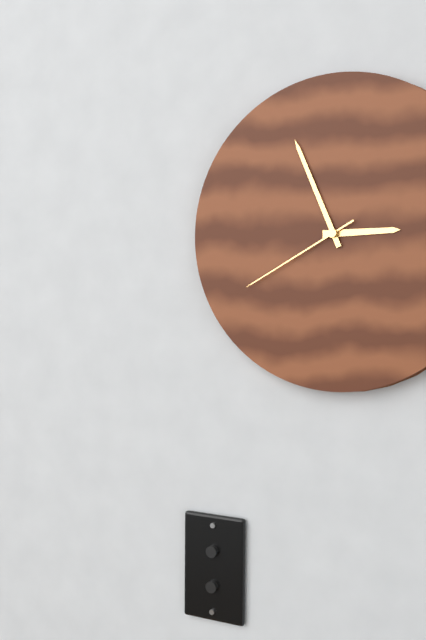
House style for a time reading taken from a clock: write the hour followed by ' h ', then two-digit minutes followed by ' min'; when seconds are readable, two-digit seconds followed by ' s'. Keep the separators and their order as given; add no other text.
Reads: 2 h 56 min 40 s
